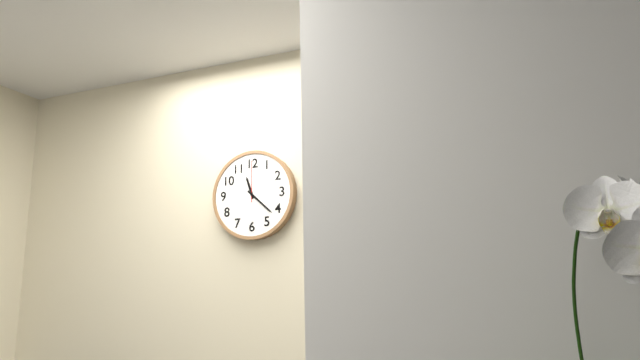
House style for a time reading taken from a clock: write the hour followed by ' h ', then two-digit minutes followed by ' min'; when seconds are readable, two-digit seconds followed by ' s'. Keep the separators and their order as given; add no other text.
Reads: 11 h 22 min
